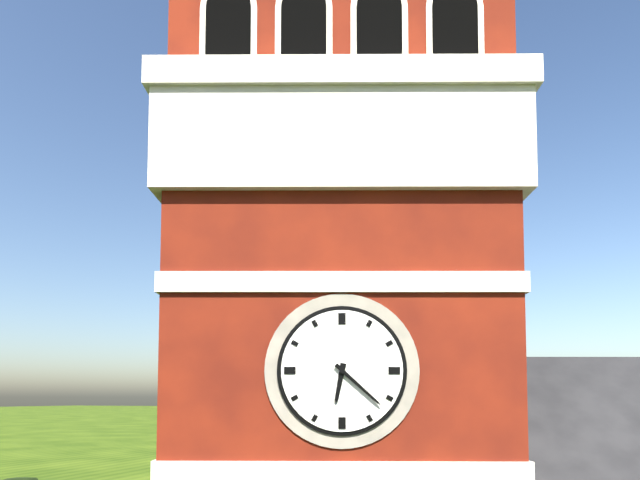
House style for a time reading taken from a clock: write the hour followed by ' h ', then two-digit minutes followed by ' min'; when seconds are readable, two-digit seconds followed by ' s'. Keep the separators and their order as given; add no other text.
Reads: 6 h 22 min
